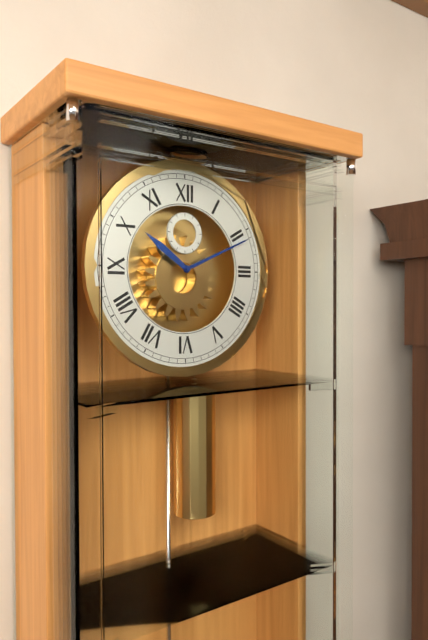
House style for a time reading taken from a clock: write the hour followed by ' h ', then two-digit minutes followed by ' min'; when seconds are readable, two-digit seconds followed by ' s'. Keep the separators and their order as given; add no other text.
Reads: 10 h 11 min
